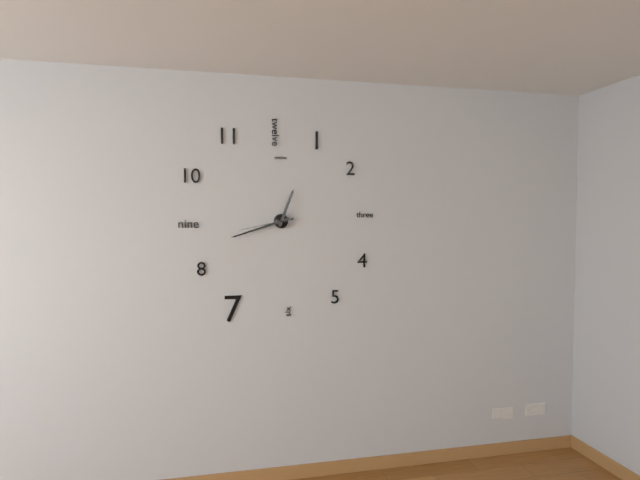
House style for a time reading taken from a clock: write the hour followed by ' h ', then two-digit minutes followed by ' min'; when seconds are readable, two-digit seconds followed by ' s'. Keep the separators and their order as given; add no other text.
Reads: 12 h 42 min 43 s
